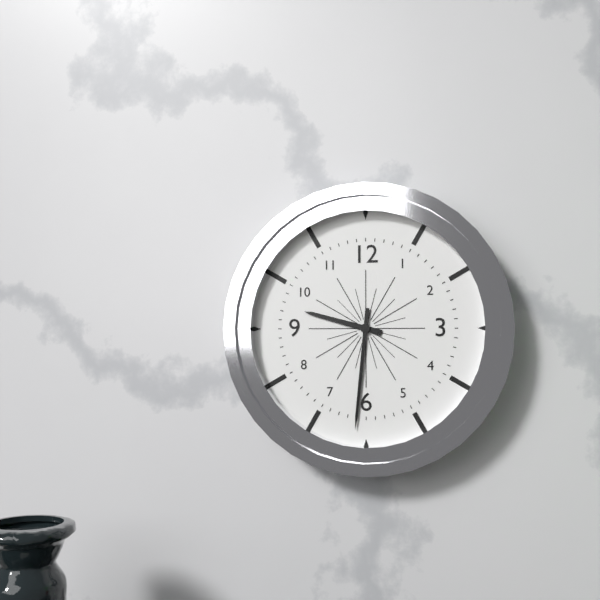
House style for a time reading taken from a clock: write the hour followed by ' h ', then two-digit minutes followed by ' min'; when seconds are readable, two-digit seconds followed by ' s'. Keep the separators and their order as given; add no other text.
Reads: 9 h 31 min
